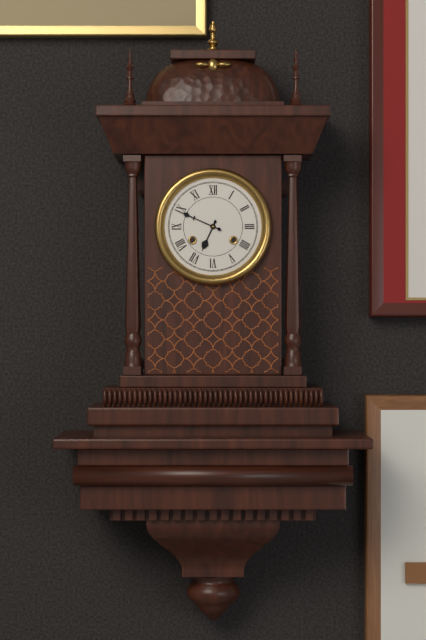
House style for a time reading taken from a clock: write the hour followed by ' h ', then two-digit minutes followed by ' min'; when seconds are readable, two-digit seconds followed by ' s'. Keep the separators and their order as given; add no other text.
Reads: 6 h 49 min
